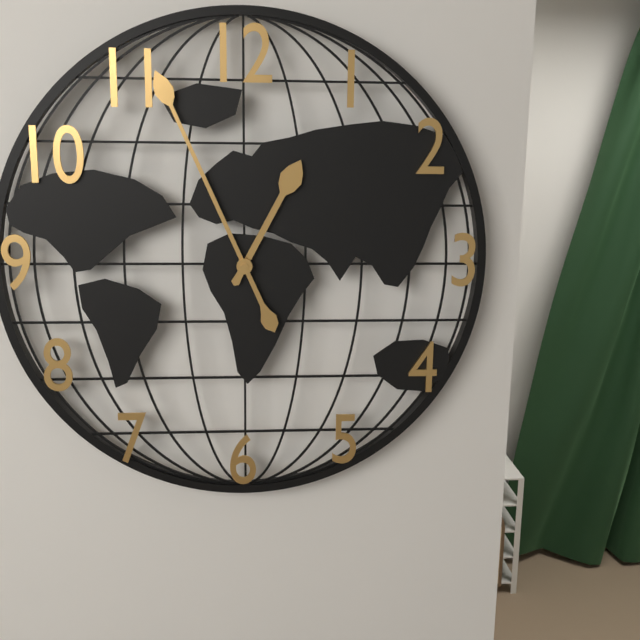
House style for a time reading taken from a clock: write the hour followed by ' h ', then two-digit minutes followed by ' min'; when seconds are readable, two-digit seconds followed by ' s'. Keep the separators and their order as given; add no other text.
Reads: 12 h 56 min
